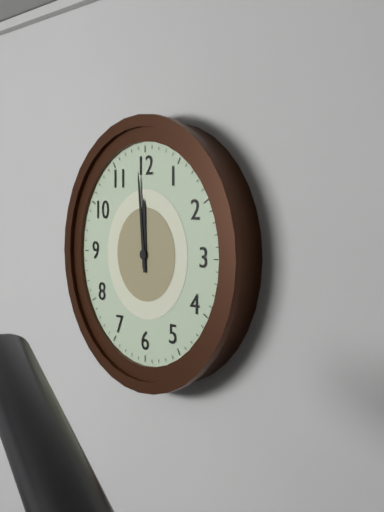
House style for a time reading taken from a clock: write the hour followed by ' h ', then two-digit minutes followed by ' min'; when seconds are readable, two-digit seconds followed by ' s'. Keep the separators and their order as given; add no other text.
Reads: 11 h 59 min
